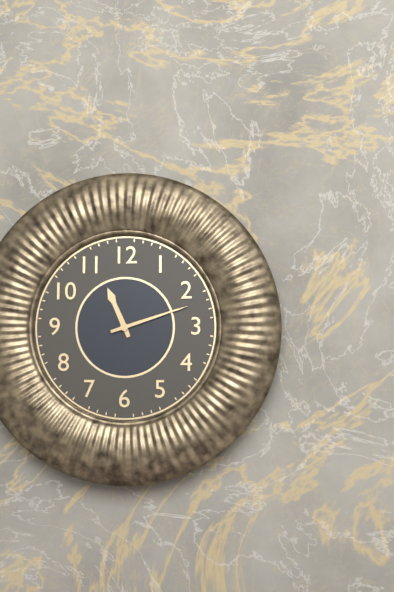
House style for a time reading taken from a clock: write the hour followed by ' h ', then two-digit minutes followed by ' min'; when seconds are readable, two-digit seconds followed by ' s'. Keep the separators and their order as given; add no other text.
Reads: 11 h 12 min
